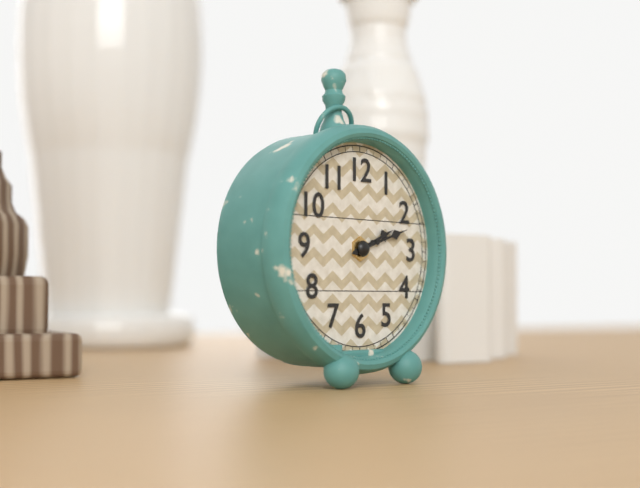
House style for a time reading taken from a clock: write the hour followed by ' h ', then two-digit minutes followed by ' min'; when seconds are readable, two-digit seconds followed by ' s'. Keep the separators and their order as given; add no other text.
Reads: 2 h 12 min
